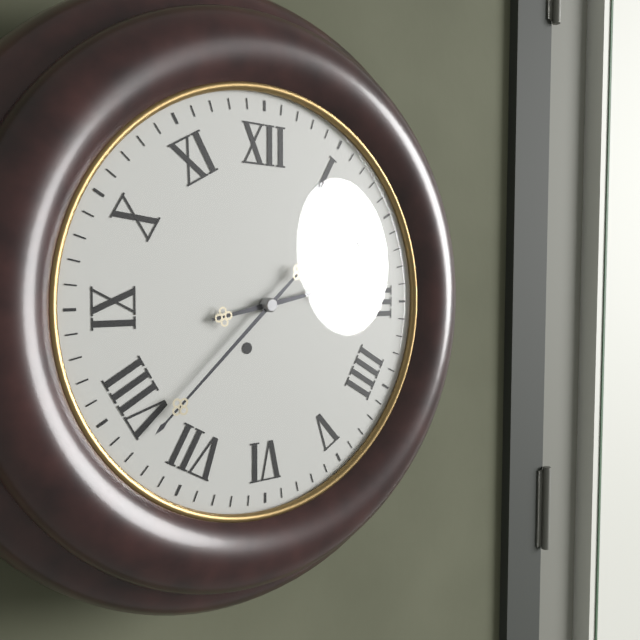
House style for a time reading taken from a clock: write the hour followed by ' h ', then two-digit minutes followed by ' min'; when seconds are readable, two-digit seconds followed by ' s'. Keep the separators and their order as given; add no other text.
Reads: 2 h 38 min
